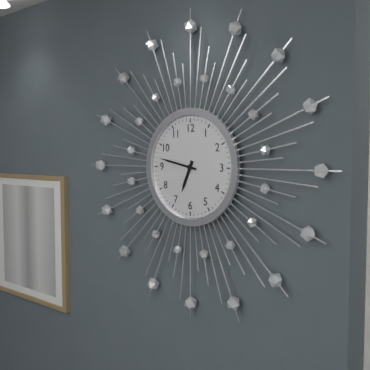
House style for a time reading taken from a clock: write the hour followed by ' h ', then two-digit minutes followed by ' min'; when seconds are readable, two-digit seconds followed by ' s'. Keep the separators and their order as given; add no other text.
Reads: 6 h 47 min
